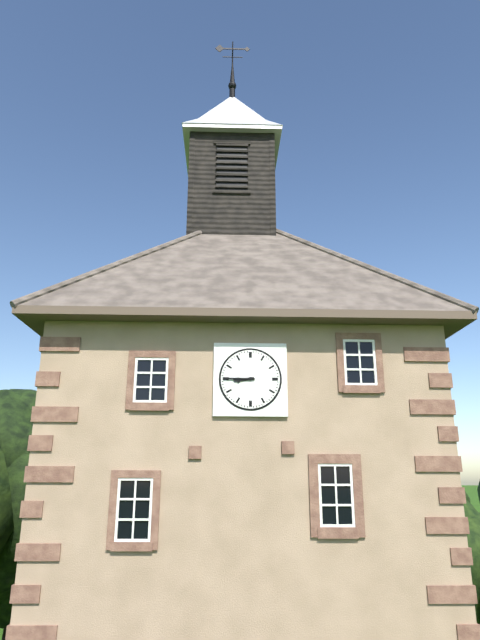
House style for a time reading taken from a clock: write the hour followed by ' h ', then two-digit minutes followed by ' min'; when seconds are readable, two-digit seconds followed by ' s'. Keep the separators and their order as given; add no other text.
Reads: 8 h 45 min
